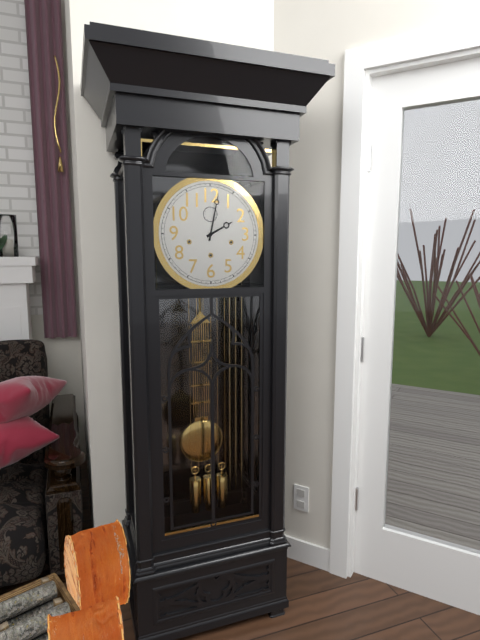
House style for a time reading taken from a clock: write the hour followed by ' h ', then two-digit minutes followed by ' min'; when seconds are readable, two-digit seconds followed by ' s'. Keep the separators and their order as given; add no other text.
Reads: 2 h 02 min
